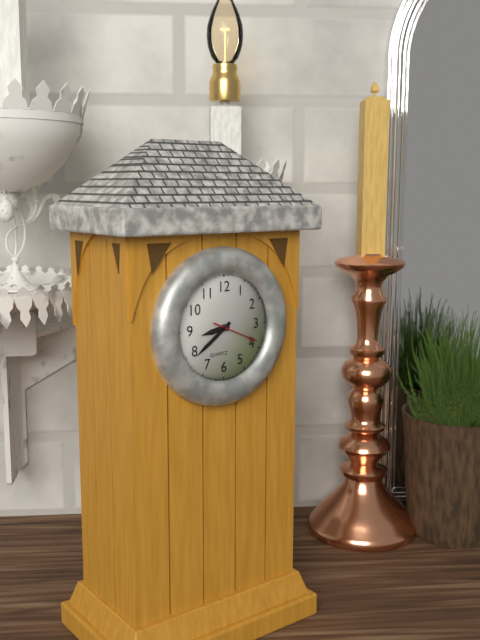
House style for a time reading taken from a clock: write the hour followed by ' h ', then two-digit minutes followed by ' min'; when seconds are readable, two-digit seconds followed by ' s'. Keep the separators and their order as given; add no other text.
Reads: 8 h 39 min
